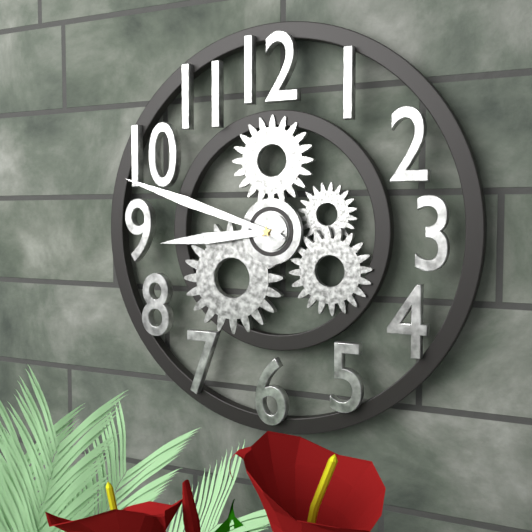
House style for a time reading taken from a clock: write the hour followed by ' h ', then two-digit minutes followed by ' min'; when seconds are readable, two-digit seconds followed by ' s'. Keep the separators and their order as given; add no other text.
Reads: 8 h 48 min
